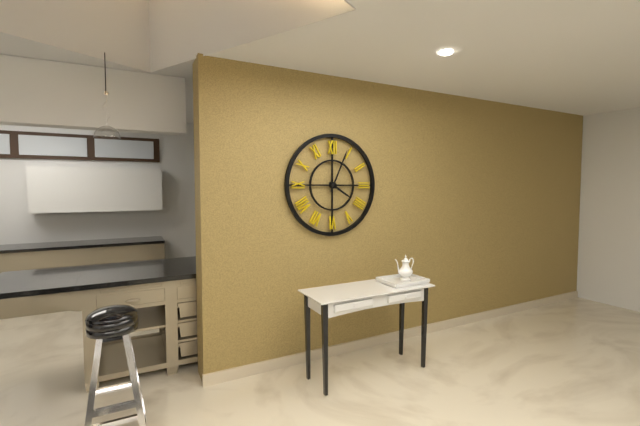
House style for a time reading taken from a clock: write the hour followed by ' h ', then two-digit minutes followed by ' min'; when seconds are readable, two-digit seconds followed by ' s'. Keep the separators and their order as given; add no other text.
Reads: 4 h 04 min
